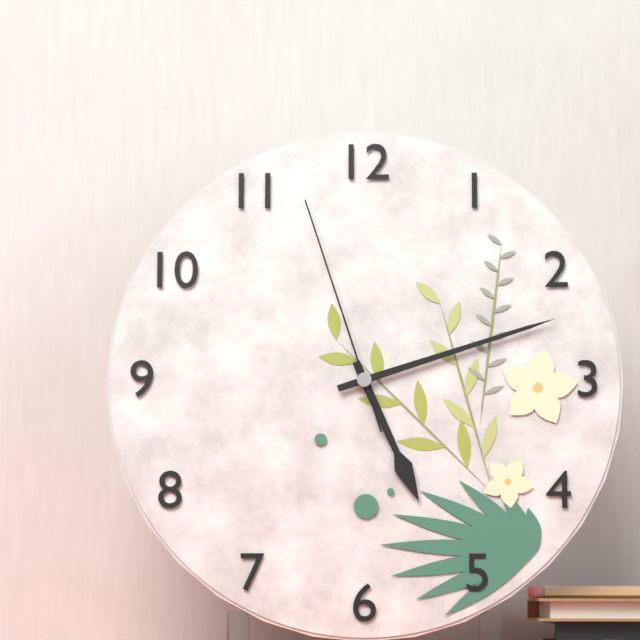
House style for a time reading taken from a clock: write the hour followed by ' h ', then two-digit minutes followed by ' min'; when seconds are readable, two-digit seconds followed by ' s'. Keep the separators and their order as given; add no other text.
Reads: 5 h 12 min 57 s
